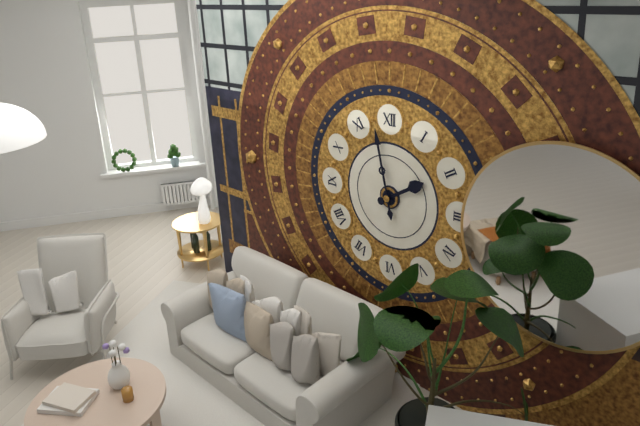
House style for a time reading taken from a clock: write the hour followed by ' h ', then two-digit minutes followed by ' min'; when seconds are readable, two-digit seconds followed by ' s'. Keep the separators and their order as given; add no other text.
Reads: 1 h 58 min
